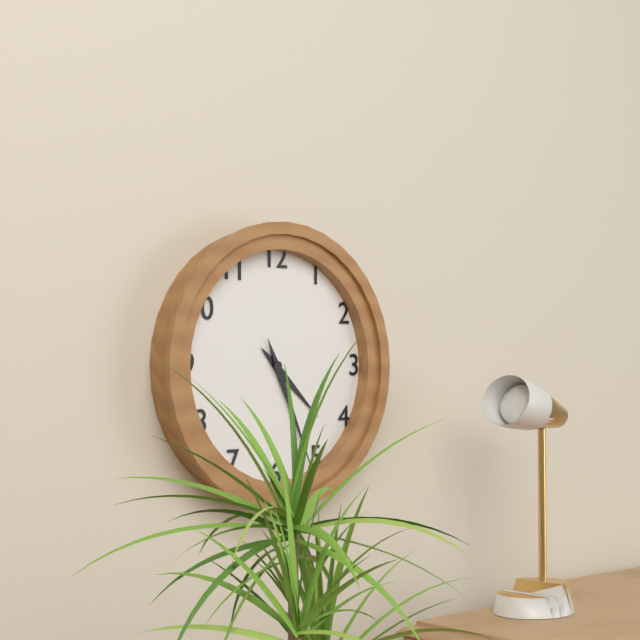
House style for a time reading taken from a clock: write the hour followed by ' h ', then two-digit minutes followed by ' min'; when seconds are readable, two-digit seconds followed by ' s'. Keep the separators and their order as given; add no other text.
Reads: 4 h 26 min
